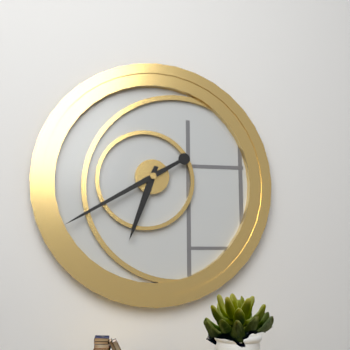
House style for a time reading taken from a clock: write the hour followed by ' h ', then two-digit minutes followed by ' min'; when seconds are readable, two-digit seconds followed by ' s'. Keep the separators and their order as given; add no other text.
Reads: 6 h 40 min
